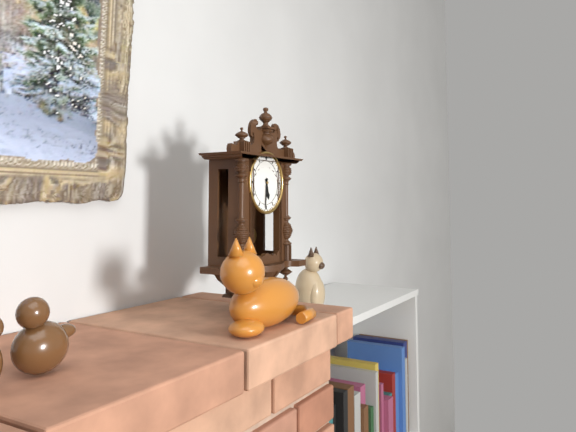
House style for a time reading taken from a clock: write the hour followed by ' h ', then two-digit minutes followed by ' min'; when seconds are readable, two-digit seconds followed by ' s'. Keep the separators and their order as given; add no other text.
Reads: 5 h 31 min
